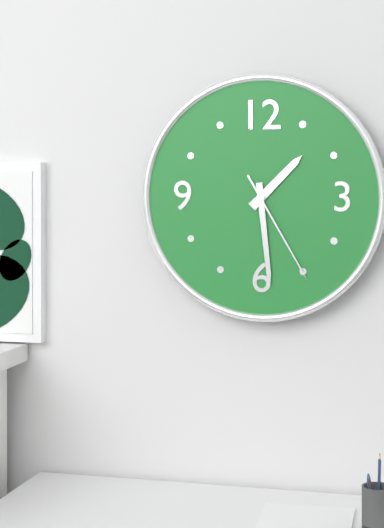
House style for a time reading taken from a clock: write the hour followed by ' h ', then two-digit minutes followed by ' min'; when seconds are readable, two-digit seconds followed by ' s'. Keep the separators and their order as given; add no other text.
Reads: 1 h 29 min 25 s
